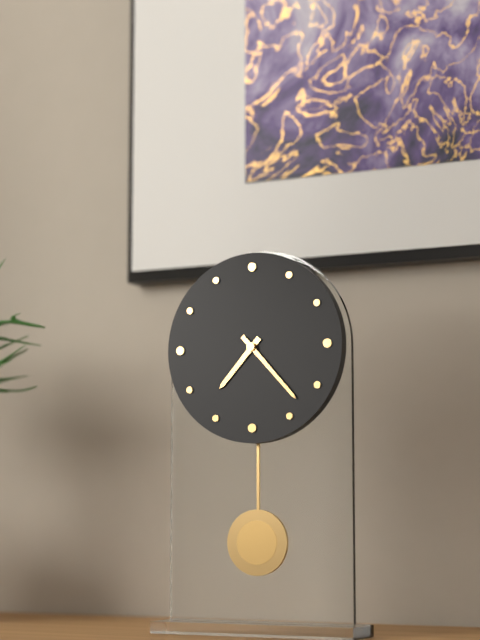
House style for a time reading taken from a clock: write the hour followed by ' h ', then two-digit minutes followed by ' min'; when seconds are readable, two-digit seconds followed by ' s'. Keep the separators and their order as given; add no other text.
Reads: 7 h 23 min
